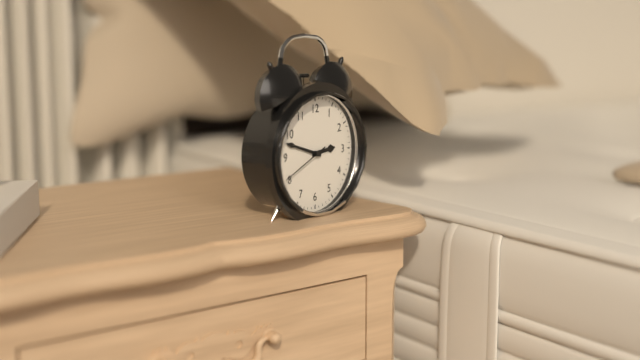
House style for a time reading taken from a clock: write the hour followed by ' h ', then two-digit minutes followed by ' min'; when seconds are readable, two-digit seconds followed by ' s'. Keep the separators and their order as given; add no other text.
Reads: 2 h 48 min 41 s
